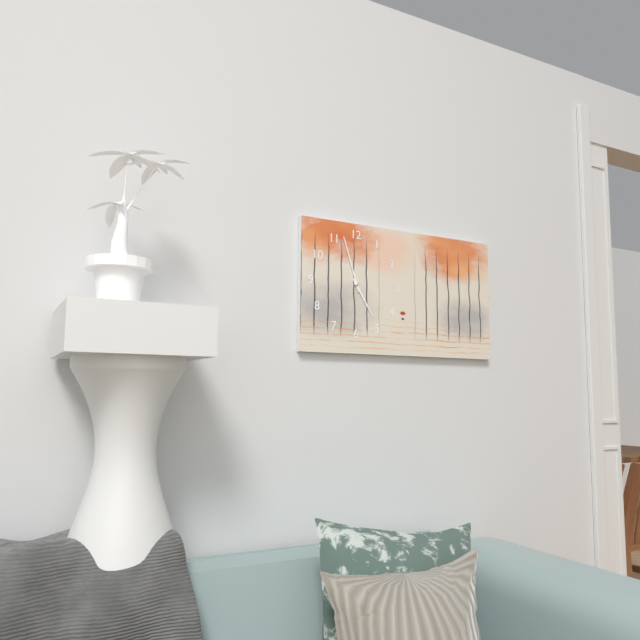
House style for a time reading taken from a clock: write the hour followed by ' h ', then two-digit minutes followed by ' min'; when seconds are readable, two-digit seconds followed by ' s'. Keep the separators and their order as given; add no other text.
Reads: 4 h 57 min
